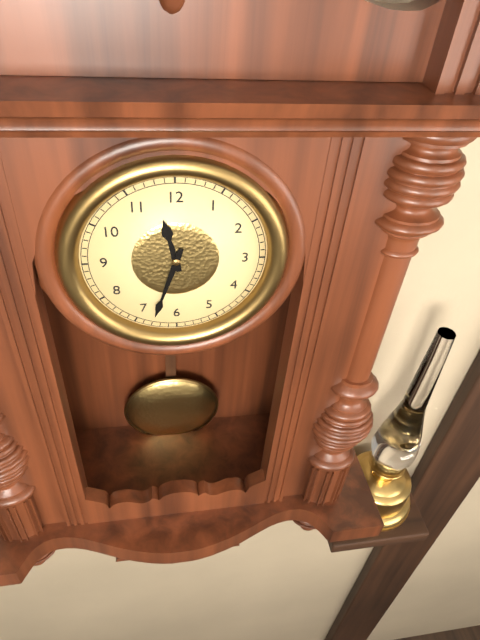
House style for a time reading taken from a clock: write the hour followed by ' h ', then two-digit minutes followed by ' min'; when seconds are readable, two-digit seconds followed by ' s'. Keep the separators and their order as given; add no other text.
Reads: 11 h 33 min
